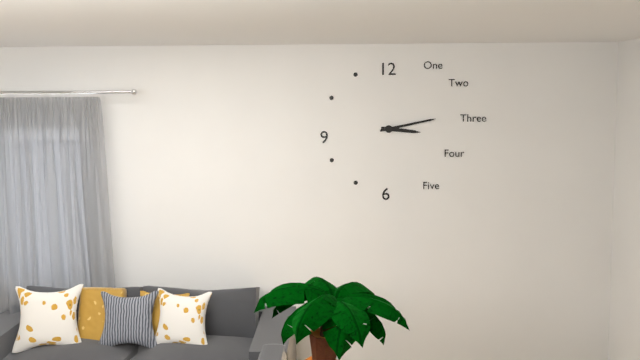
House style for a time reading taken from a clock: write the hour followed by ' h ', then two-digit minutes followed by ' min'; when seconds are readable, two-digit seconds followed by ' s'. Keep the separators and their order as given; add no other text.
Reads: 3 h 13 min
